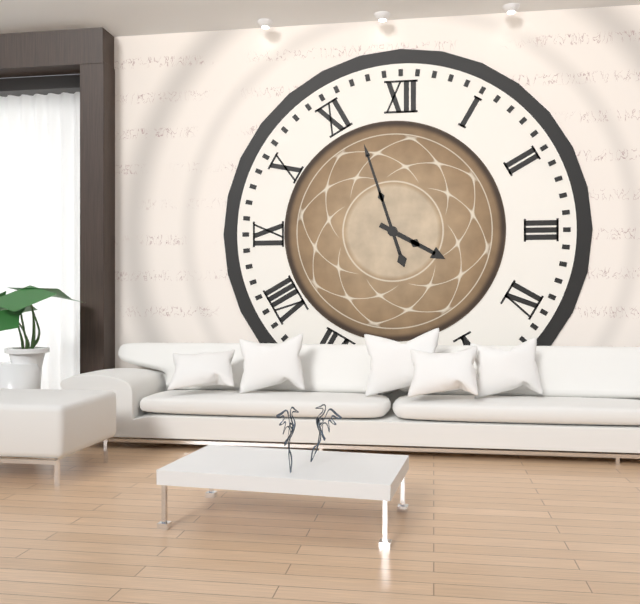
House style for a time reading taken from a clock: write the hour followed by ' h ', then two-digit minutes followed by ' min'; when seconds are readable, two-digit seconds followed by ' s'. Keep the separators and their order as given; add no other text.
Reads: 3 h 57 min
